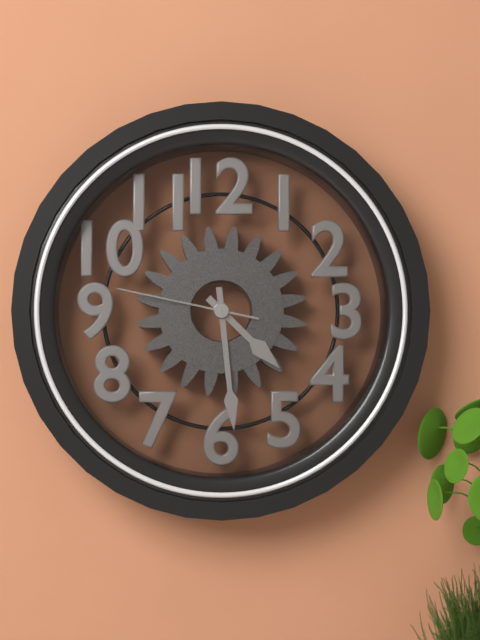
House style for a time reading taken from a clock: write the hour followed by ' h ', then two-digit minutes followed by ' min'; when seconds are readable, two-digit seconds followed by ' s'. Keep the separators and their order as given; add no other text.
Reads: 4 h 29 min 47 s
